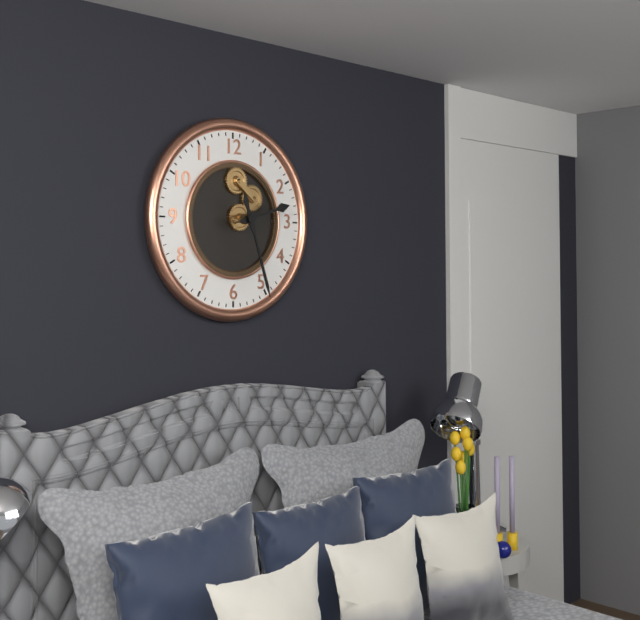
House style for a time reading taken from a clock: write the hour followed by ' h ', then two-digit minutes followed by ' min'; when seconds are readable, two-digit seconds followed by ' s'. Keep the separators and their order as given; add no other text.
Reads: 2 h 27 min
